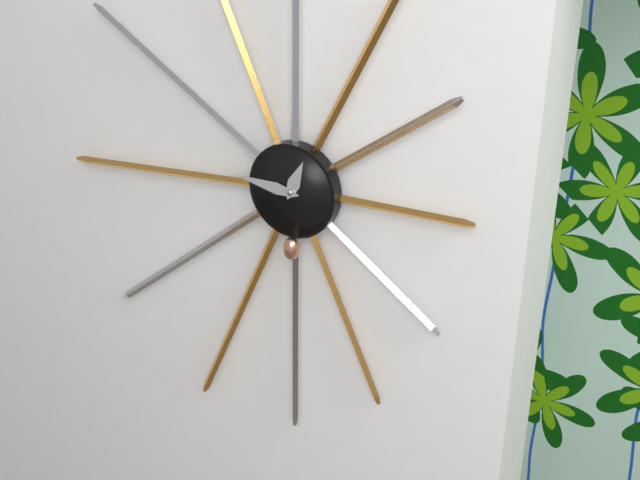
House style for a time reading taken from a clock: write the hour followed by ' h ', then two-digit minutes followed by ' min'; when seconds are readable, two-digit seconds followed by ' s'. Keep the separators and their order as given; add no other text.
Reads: 12 h 46 min
